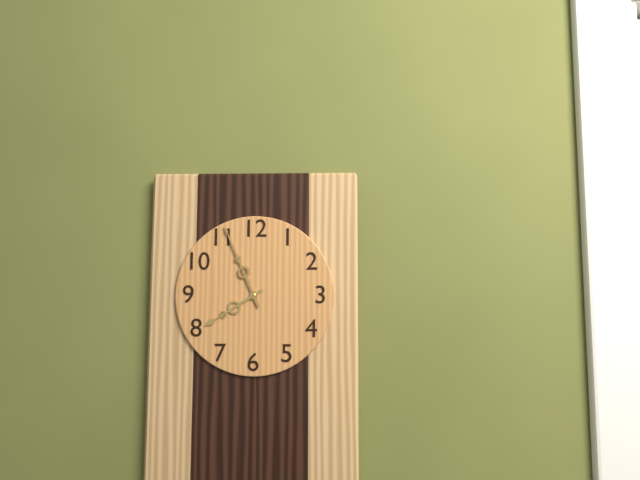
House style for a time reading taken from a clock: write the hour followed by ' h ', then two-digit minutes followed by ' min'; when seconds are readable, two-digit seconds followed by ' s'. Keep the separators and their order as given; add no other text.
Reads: 7 h 56 min
